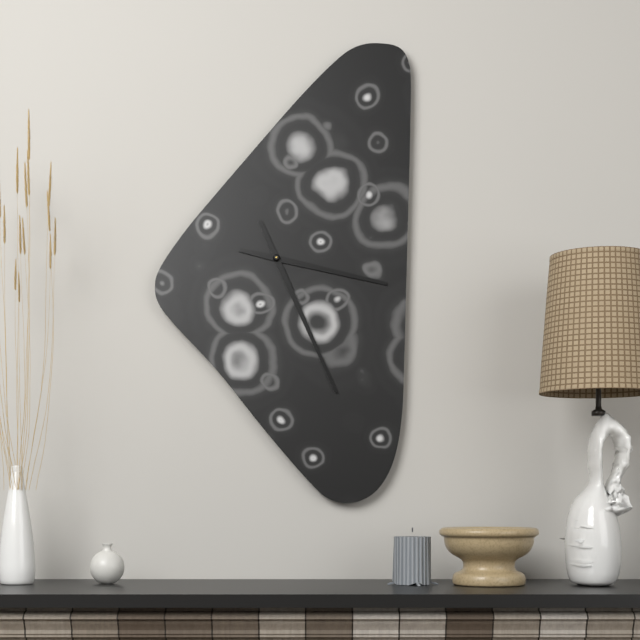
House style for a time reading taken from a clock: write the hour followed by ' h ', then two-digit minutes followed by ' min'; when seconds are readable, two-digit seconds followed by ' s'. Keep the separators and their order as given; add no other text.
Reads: 3 h 26 min
